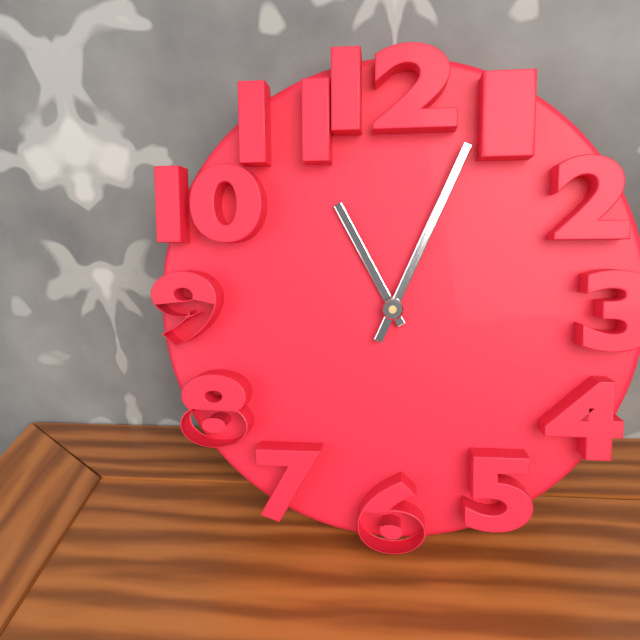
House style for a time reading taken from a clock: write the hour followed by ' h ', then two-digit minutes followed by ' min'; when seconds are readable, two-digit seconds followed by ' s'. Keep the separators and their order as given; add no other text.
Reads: 11 h 04 min
